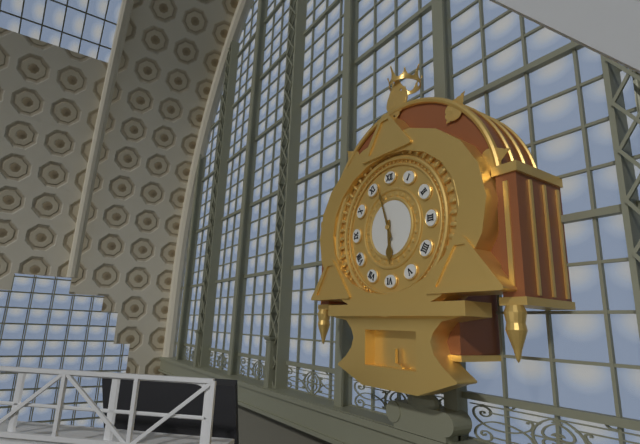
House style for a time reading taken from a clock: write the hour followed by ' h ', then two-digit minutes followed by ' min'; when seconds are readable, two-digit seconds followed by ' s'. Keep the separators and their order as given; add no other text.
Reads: 5 h 57 min
